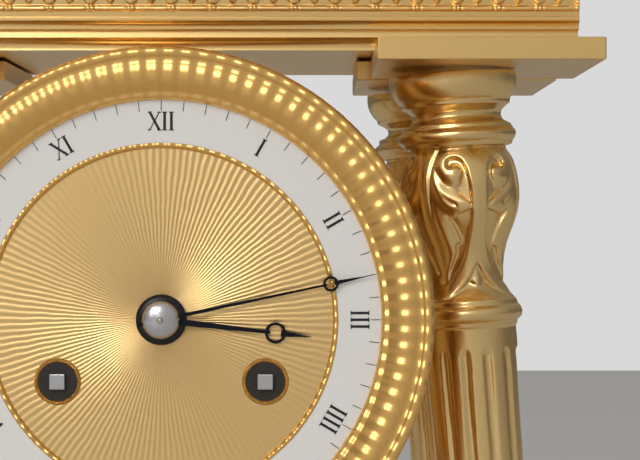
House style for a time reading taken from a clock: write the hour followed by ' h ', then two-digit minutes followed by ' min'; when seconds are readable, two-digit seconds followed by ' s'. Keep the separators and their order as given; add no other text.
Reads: 3 h 13 min
